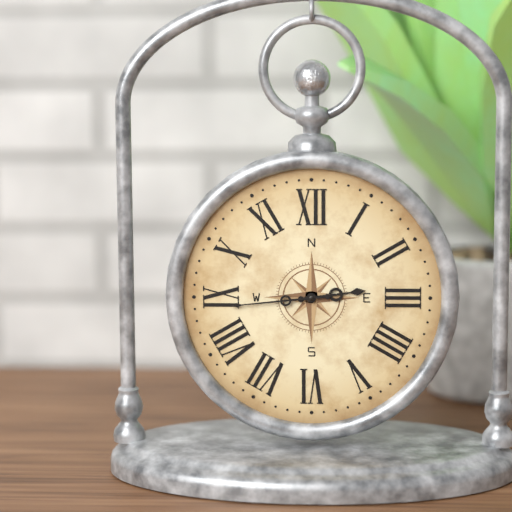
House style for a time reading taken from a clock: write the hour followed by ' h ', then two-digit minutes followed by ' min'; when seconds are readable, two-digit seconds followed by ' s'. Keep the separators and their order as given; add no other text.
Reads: 2 h 44 min
